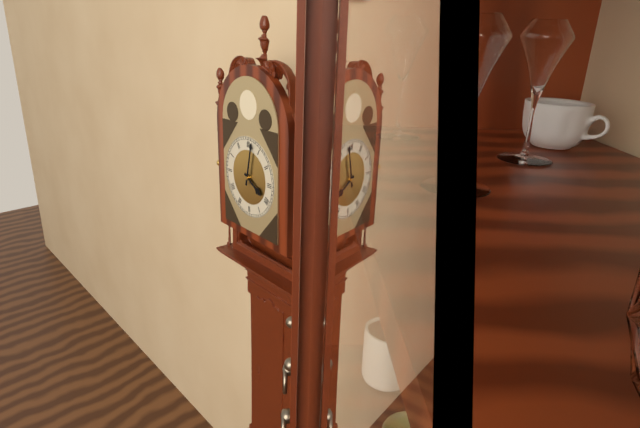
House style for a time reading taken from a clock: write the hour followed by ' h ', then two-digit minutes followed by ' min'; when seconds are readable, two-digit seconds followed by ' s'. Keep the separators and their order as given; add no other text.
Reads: 4 h 02 min
